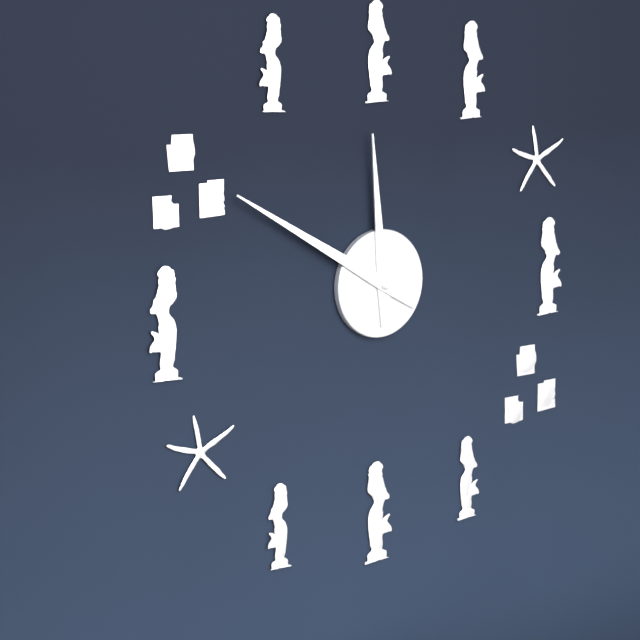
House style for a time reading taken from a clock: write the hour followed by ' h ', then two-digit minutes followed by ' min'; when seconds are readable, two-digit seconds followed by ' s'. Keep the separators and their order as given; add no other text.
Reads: 11 h 50 min
